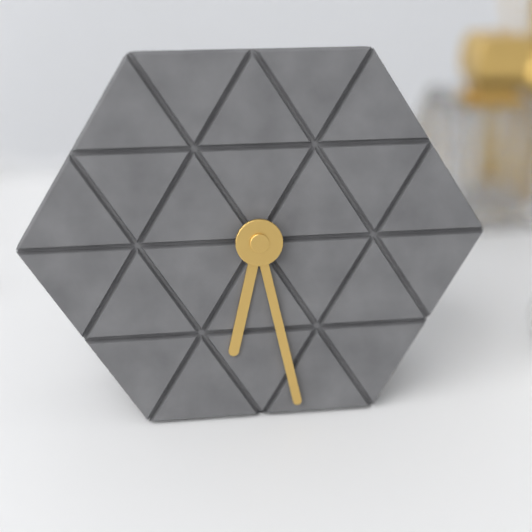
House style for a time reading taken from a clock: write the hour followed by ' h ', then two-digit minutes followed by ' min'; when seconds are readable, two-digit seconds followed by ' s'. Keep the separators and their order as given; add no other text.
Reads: 6 h 28 min
